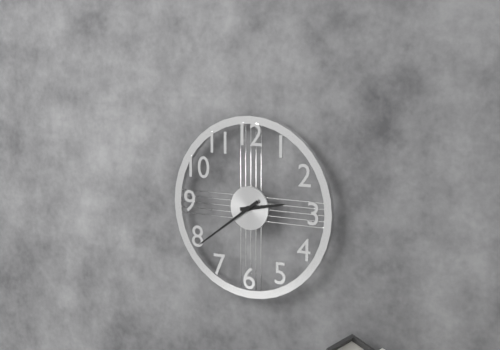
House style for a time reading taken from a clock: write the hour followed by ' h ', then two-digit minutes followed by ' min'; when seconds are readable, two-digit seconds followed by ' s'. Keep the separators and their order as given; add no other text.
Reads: 2 h 39 min
